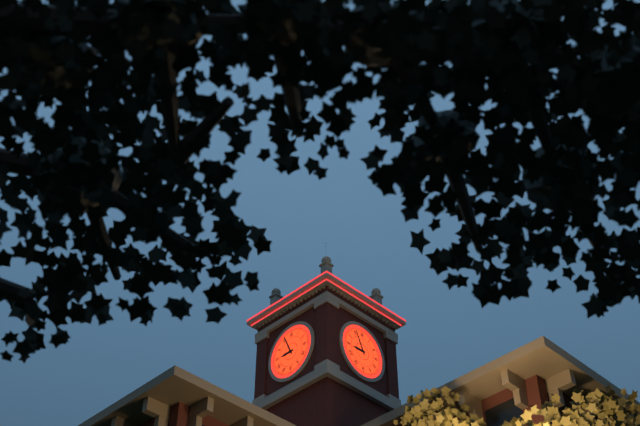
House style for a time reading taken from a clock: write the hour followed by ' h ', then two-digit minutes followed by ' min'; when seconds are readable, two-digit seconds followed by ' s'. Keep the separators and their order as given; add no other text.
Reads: 8 h 56 min
